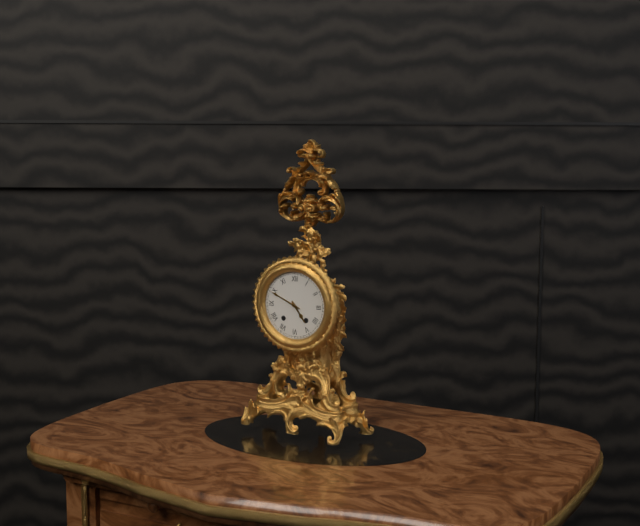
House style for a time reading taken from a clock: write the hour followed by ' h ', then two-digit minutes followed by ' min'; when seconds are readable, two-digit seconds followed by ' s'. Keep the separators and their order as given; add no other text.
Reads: 4 h 49 min
